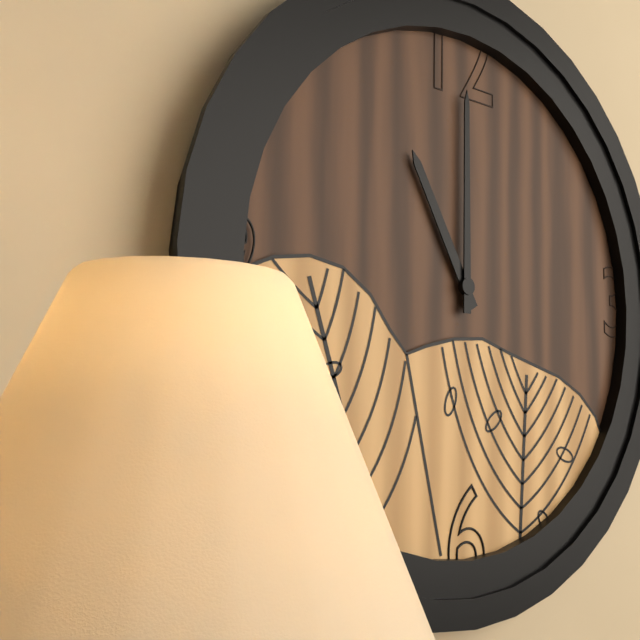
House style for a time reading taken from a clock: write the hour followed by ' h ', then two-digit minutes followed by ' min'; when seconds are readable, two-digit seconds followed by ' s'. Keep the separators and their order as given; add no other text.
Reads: 11 h 00 min
